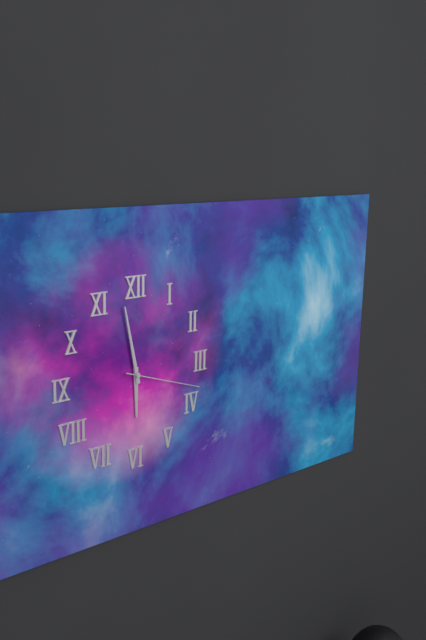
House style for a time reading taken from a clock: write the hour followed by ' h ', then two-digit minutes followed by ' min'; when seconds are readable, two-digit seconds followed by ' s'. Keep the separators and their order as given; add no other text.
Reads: 5 h 58 min 18 s
